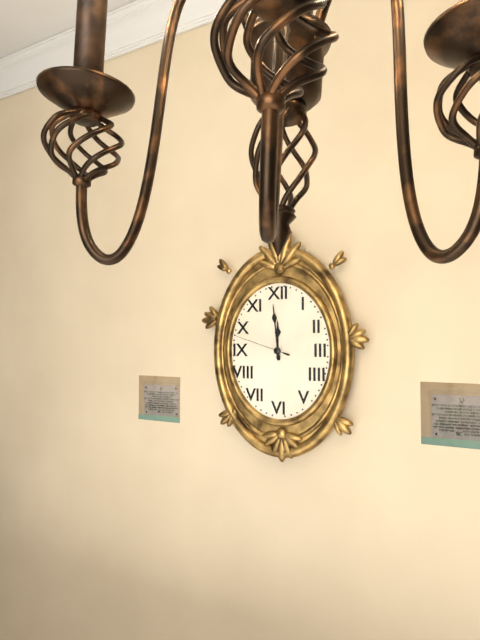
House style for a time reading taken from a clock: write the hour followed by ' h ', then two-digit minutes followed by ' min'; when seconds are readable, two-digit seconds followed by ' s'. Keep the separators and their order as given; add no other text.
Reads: 11 h 59 min 48 s
